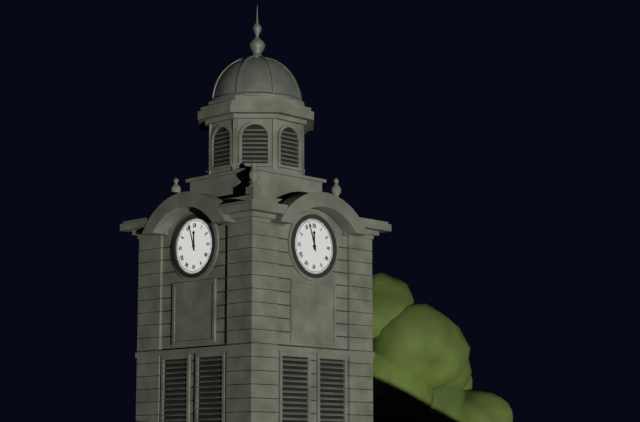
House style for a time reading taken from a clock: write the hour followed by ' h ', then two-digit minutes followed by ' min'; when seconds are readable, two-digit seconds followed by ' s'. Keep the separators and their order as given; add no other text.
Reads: 11 h 57 min
